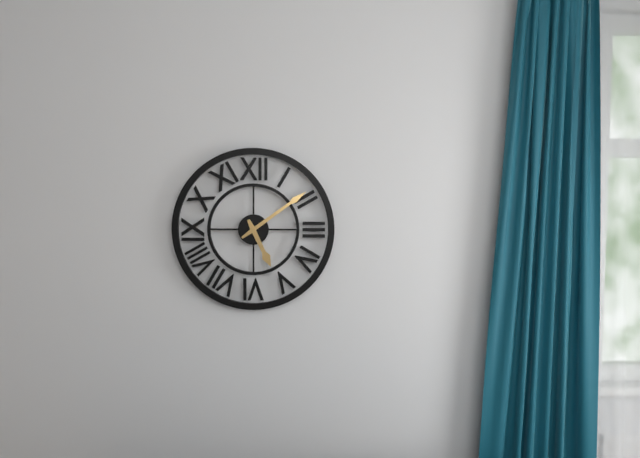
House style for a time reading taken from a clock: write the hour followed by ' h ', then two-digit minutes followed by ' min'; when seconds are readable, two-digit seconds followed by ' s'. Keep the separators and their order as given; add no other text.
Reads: 5 h 09 min
